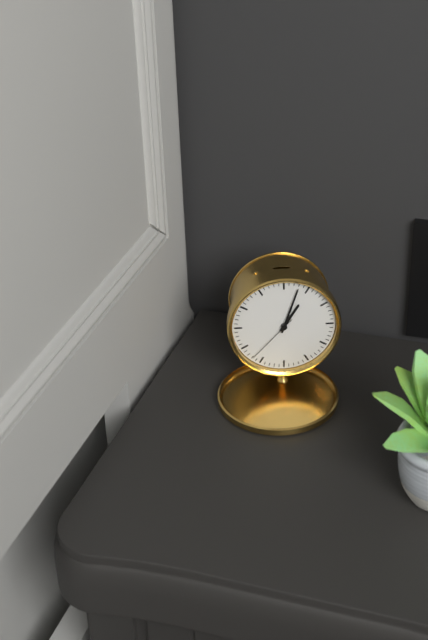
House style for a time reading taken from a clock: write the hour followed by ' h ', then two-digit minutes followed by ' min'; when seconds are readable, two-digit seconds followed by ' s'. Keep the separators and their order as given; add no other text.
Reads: 1 h 03 min 37 s
